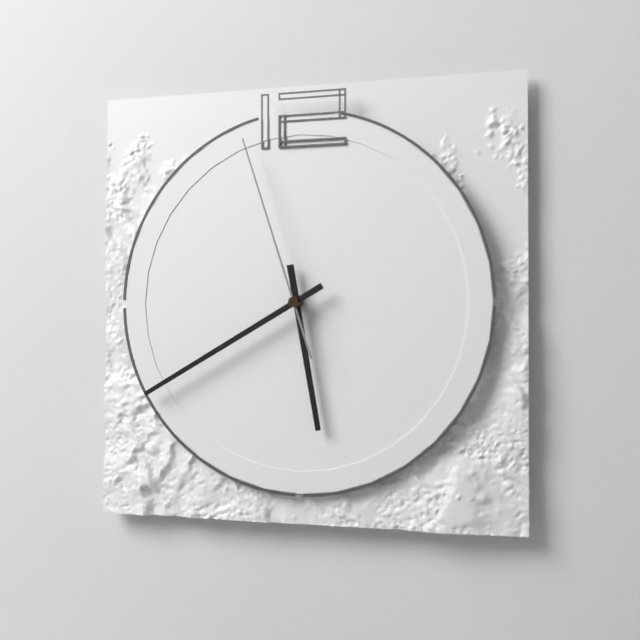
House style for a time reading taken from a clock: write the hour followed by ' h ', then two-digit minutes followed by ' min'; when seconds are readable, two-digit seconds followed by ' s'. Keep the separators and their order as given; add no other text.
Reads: 5 h 40 min 57 s
